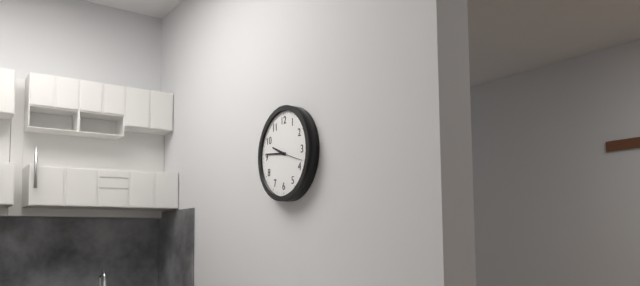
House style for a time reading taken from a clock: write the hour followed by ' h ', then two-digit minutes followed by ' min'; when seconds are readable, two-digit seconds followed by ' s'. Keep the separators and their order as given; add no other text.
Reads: 9 h 46 min
